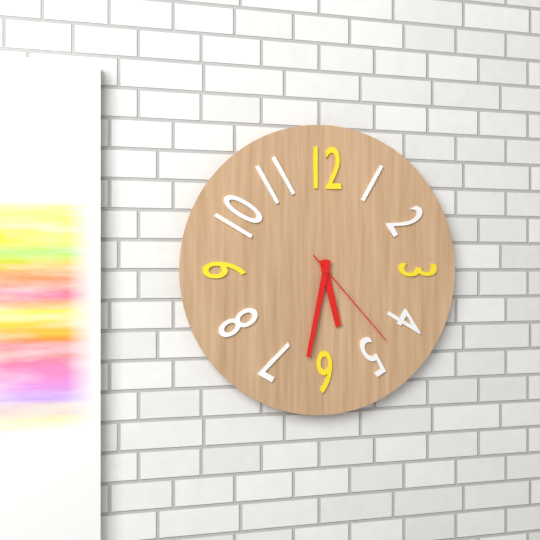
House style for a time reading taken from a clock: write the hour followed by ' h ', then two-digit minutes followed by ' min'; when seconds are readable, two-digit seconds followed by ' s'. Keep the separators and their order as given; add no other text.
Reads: 5 h 32 min 23 s
